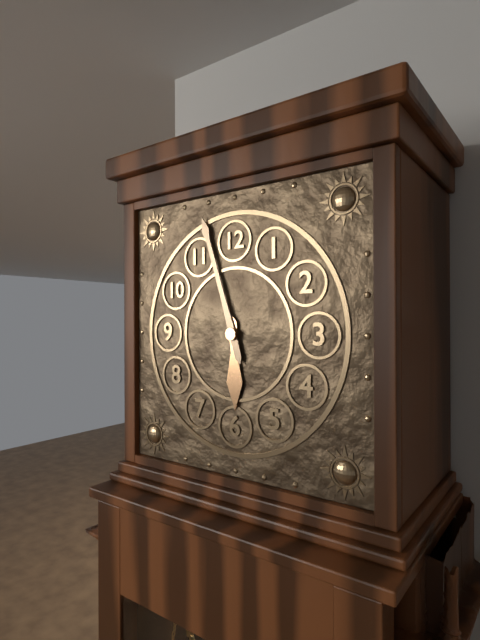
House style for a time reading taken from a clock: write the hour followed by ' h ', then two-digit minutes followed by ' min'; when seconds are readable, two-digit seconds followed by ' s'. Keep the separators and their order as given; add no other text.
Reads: 5 h 57 min
